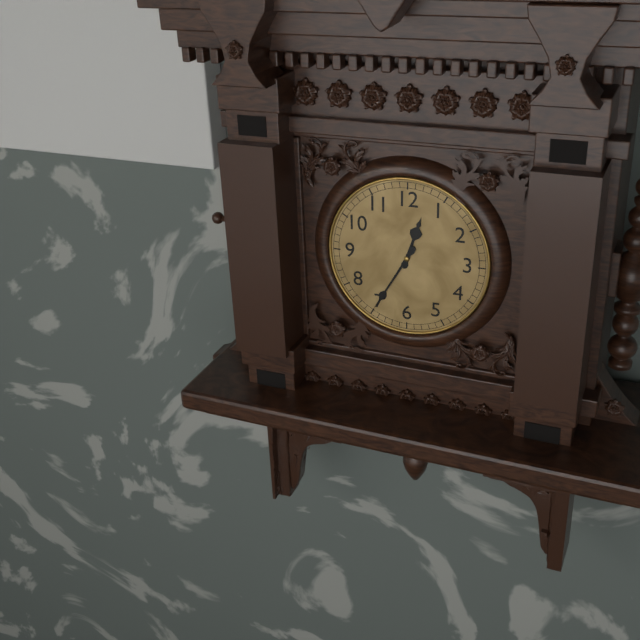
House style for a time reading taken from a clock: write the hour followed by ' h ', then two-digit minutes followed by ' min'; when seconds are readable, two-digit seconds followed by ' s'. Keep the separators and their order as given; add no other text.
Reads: 12 h 35 min
